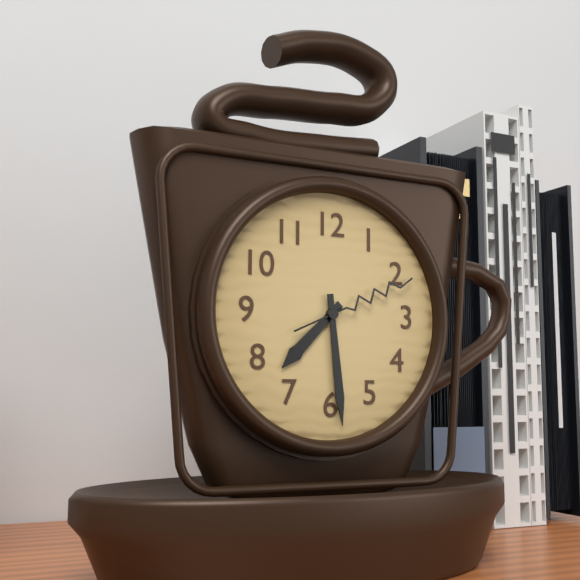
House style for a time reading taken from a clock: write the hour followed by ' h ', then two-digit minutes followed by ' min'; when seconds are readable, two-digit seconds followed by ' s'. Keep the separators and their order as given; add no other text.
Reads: 7 h 29 min 11 s
